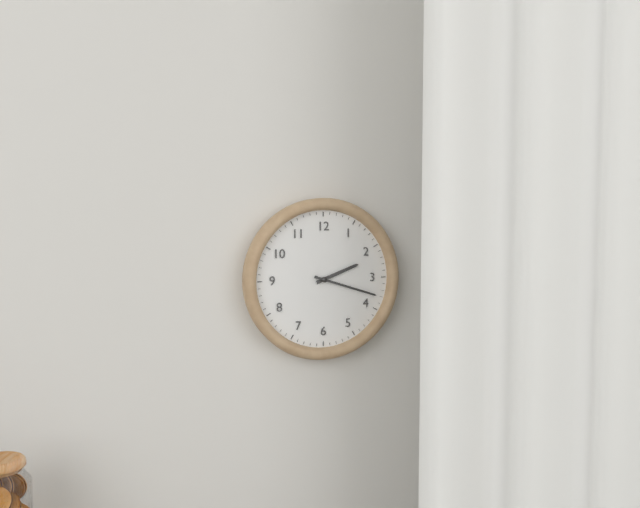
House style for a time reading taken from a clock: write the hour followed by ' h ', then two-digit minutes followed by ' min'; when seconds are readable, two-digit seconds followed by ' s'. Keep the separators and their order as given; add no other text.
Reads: 2 h 18 min
